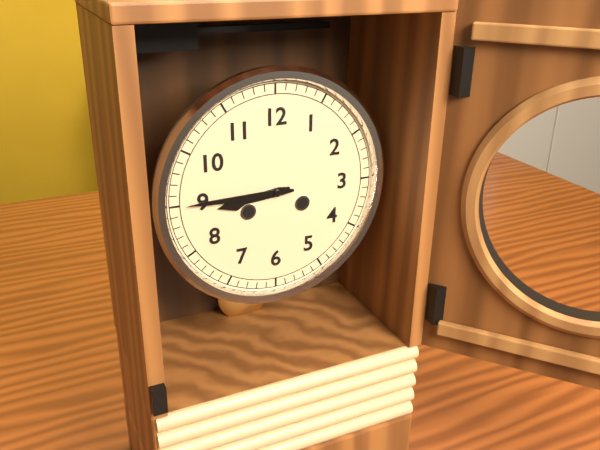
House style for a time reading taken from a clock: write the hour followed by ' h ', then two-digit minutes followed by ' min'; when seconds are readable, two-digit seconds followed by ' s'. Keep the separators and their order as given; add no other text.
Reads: 8 h 45 min
